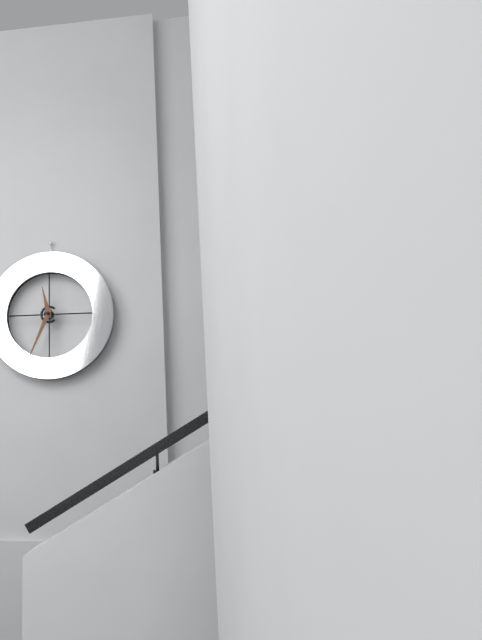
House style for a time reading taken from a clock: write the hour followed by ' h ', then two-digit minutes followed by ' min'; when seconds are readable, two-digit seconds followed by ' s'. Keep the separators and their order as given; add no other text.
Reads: 11 h 34 min
